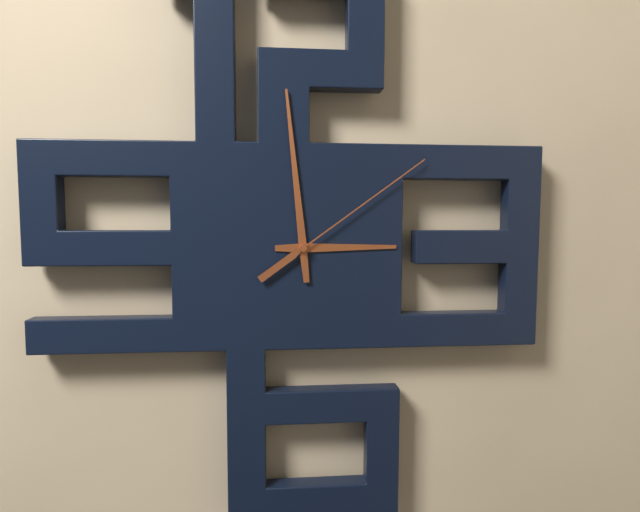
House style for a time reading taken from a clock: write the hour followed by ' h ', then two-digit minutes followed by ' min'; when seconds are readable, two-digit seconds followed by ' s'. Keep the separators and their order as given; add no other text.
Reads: 2 h 59 min 09 s
